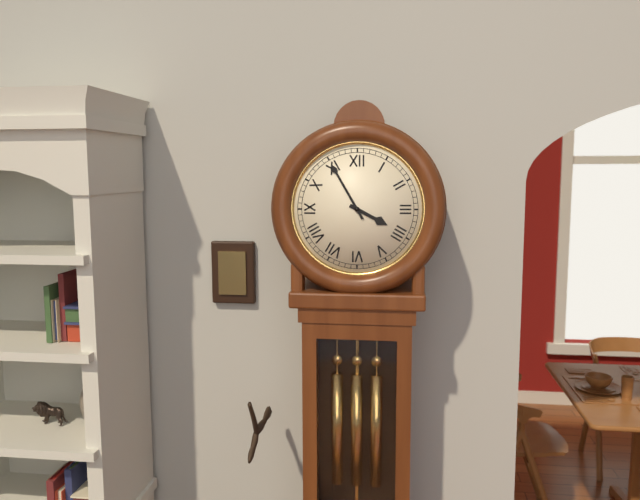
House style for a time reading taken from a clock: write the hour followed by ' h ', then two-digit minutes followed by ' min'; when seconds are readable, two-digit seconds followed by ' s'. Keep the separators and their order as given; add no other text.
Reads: 3 h 55 min
